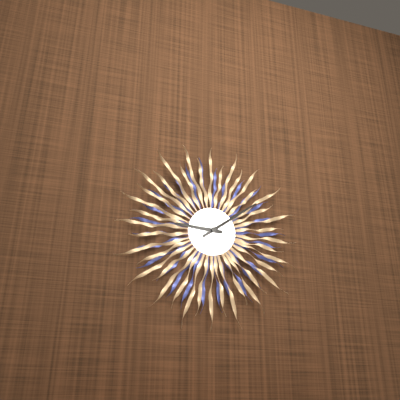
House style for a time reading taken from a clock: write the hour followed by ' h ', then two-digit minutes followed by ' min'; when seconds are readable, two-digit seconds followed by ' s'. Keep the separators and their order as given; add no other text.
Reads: 9 h 09 min
